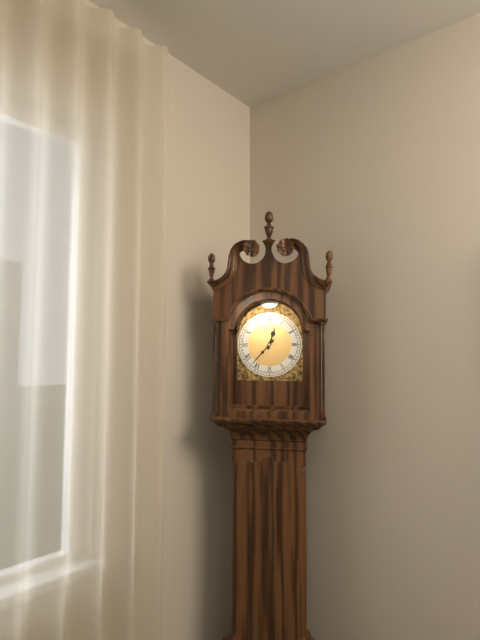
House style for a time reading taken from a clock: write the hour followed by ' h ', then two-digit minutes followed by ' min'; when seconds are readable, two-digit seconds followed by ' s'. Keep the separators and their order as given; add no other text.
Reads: 12 h 37 min
